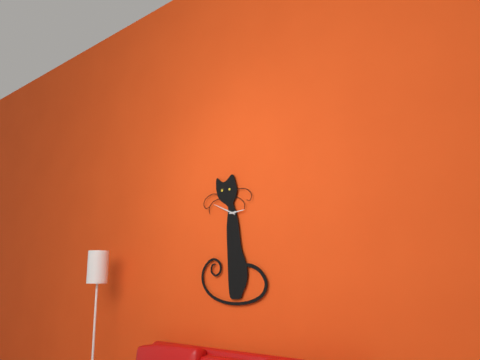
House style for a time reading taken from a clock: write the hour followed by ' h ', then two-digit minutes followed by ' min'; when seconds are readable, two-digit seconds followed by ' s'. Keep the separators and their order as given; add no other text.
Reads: 2 h 49 min
